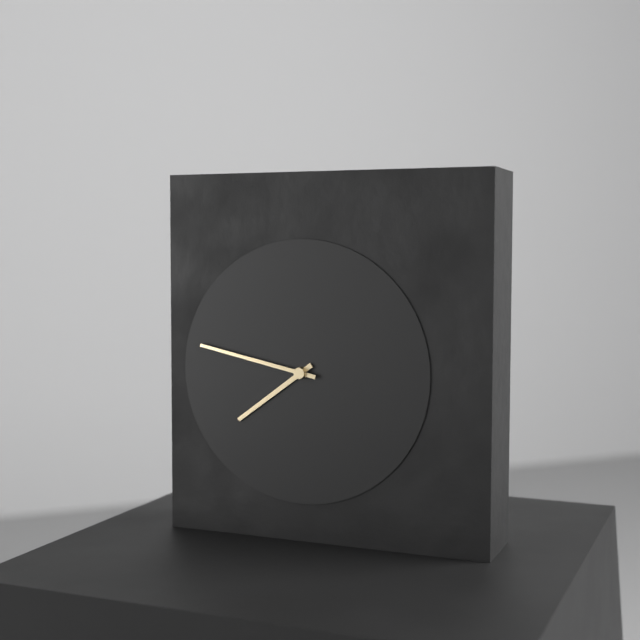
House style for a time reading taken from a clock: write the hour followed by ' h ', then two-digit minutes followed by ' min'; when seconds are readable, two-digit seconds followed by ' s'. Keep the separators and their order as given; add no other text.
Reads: 7 h 47 min
